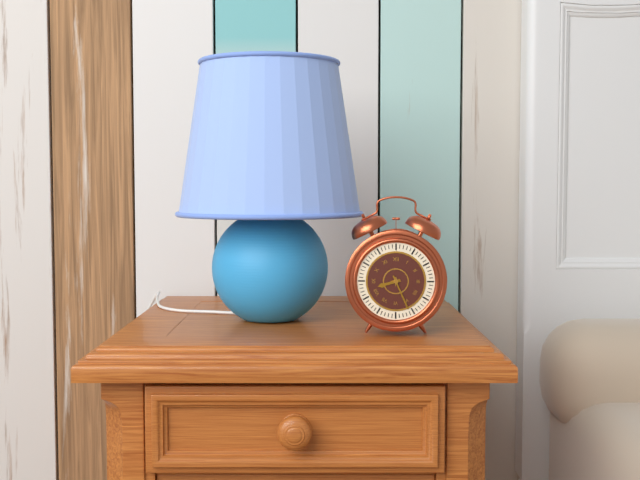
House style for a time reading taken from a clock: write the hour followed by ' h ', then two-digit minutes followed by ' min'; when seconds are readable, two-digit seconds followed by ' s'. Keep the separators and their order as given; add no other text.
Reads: 8 h 26 min
